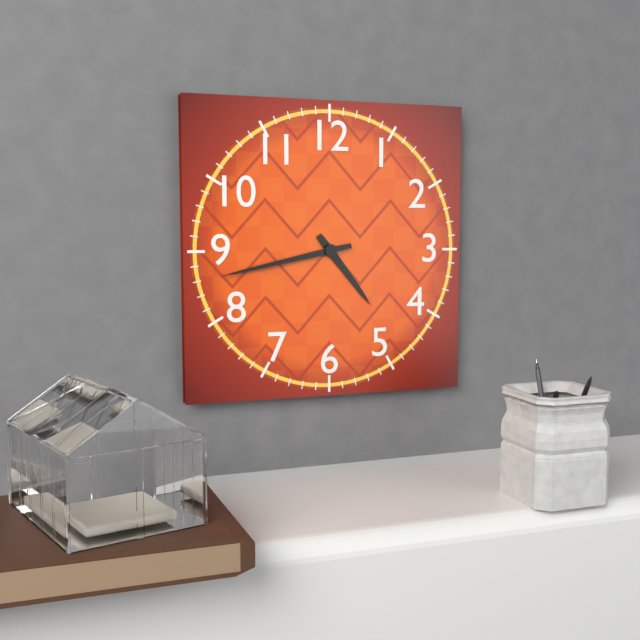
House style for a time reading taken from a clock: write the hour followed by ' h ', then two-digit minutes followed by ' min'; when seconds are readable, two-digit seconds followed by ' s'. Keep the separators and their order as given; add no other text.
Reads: 4 h 43 min
